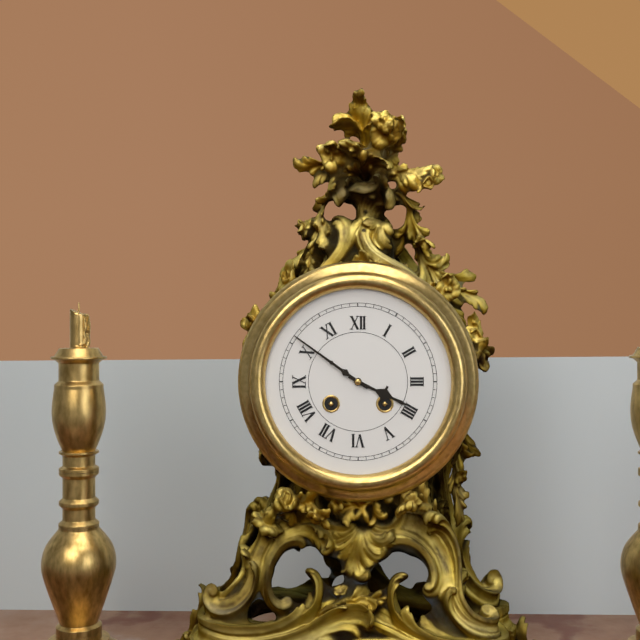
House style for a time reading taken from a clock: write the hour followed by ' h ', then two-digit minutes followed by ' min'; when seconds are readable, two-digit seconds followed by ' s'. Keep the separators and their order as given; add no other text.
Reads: 3 h 51 min
